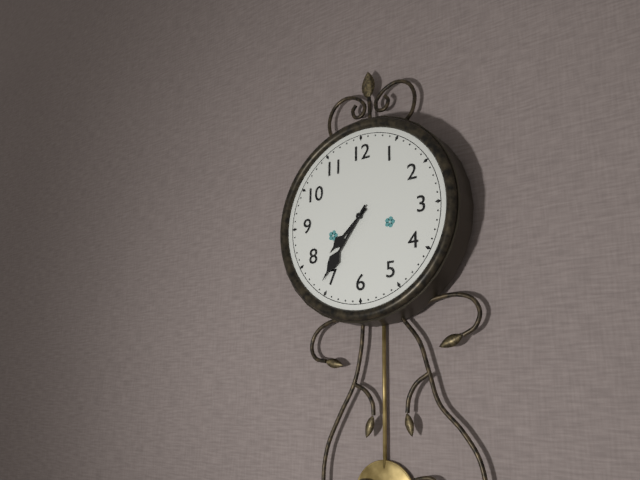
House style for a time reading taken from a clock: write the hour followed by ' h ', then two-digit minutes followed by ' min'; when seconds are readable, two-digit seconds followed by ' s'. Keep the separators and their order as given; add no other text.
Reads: 7 h 36 min
